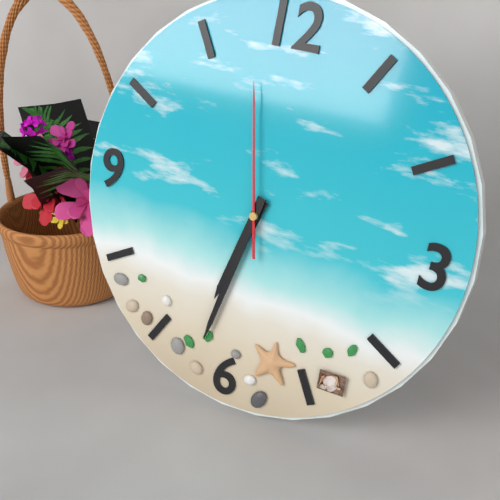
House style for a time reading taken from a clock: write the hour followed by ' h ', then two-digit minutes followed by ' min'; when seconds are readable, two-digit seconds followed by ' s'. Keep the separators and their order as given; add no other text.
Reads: 6 h 32 min 58 s
